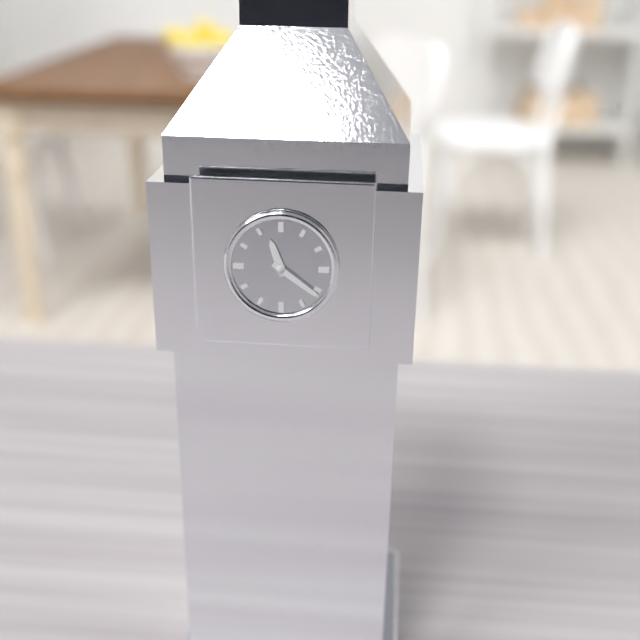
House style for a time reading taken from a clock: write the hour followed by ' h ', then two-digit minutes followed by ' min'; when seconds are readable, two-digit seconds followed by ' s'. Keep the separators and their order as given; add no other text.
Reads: 11 h 21 min
